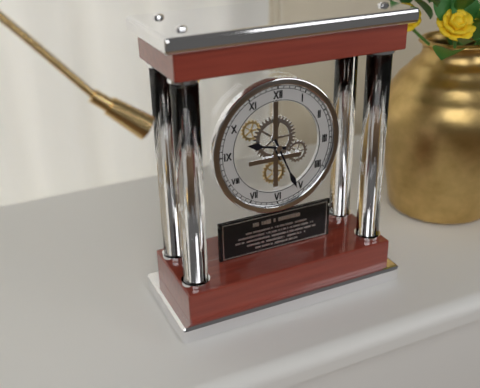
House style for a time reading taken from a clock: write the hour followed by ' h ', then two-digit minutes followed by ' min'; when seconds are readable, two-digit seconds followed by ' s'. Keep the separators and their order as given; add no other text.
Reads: 9 h 26 min
